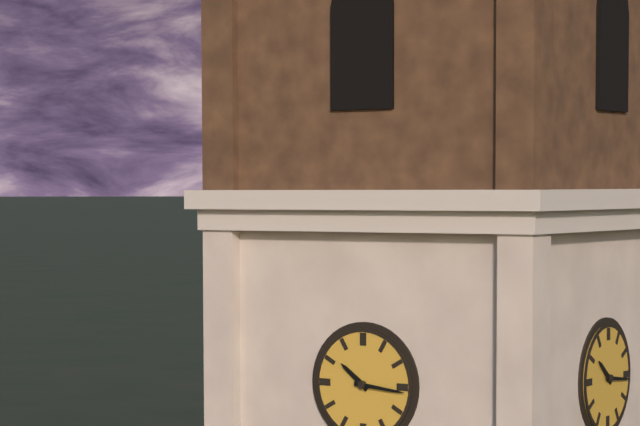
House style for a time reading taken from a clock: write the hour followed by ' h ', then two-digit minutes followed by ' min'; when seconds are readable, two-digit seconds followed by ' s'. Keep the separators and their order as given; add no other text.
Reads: 10 h 16 min
